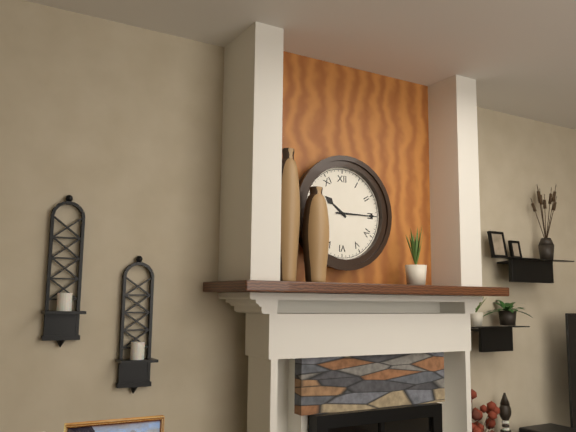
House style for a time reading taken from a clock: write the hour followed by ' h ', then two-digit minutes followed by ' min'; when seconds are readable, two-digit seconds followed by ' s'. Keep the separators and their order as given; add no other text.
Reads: 10 h 15 min
